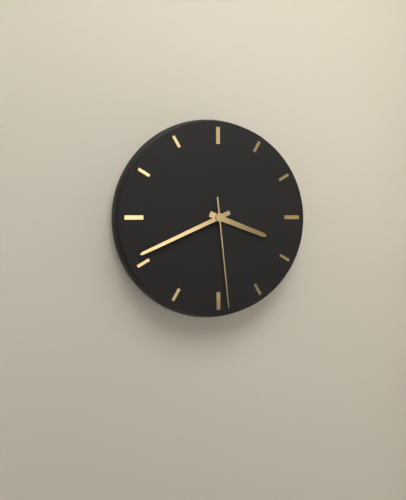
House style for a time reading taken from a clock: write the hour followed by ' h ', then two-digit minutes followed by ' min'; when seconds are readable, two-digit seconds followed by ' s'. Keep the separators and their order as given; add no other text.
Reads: 3 h 41 min 29 s
